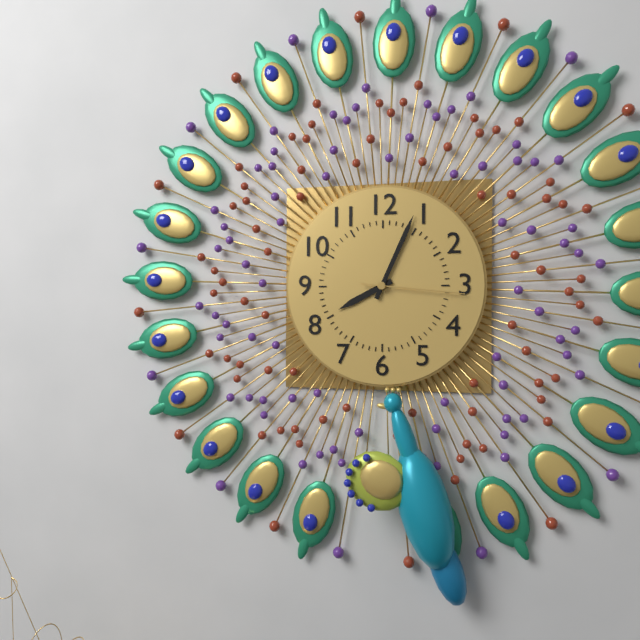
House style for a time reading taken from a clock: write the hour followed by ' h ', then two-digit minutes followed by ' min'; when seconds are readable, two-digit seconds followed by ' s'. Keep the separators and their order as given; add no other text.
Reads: 8 h 04 min 16 s
